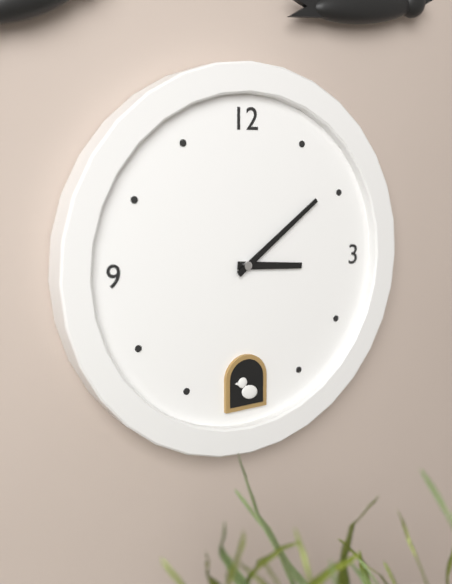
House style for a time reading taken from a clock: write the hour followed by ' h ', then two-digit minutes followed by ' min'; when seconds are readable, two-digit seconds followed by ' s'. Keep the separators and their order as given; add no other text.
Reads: 3 h 09 min
